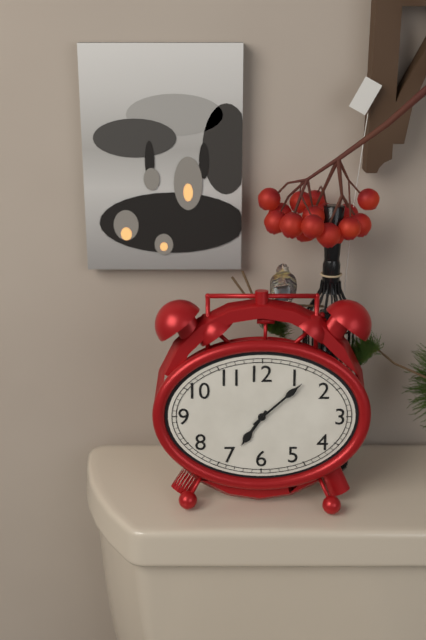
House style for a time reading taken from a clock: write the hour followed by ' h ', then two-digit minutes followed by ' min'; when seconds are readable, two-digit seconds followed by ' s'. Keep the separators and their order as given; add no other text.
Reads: 7 h 08 min
